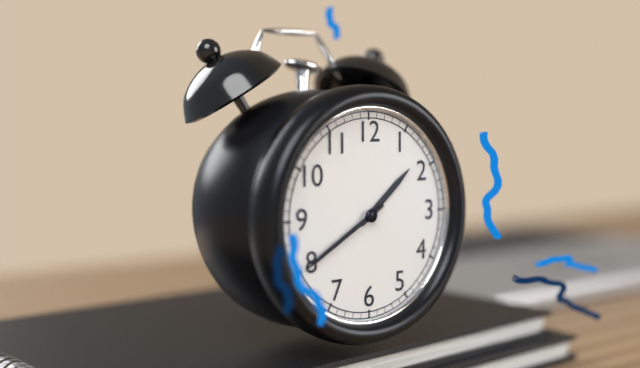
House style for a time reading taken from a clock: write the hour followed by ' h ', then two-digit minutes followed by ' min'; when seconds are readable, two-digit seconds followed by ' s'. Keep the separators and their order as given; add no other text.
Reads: 1 h 40 min
